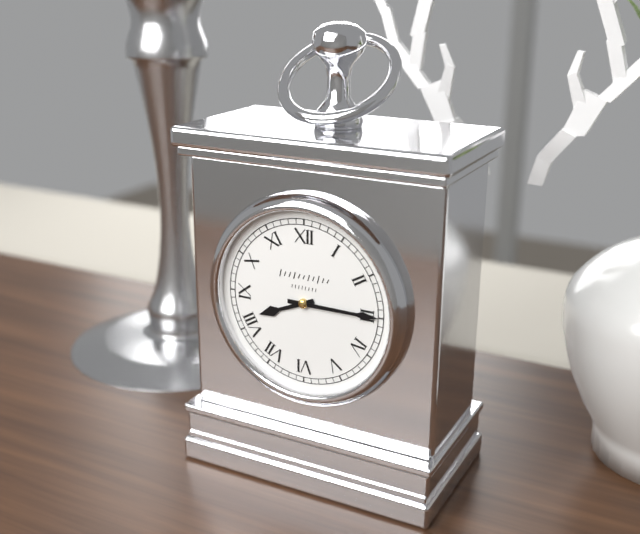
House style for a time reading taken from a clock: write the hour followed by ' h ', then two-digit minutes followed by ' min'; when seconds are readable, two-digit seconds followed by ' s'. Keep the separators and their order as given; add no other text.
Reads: 8 h 15 min
